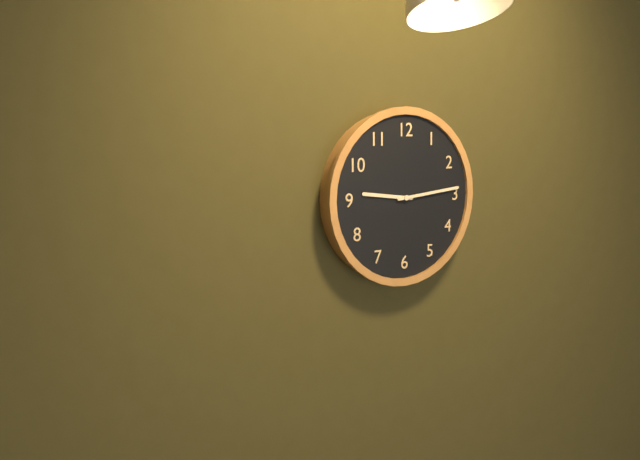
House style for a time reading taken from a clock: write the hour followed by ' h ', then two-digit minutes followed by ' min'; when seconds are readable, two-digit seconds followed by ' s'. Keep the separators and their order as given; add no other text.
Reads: 9 h 14 min
